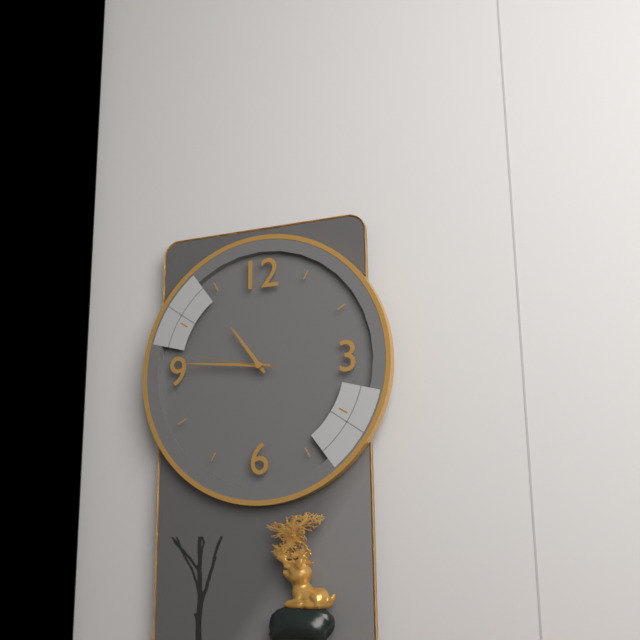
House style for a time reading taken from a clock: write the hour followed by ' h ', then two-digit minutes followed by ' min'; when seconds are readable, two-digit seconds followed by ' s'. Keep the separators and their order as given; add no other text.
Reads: 10 h 46 min 47 s
